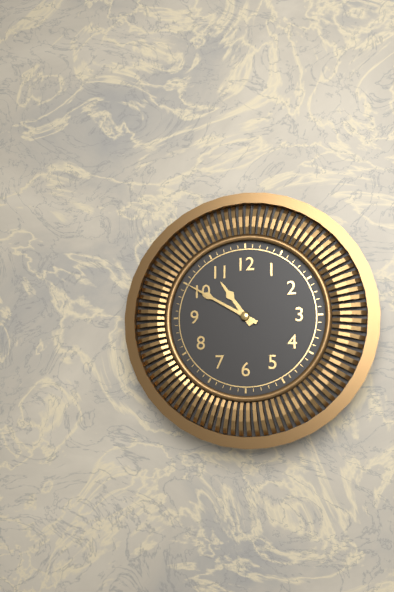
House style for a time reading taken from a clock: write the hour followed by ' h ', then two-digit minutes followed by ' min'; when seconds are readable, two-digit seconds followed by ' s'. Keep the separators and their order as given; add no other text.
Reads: 10 h 50 min
